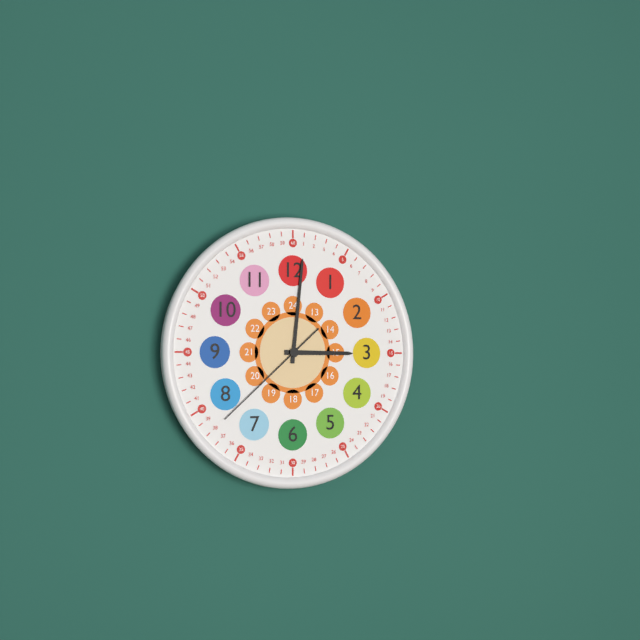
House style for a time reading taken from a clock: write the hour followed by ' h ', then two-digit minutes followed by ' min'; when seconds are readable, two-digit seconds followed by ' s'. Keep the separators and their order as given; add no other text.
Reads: 3 h 01 min 38 s
